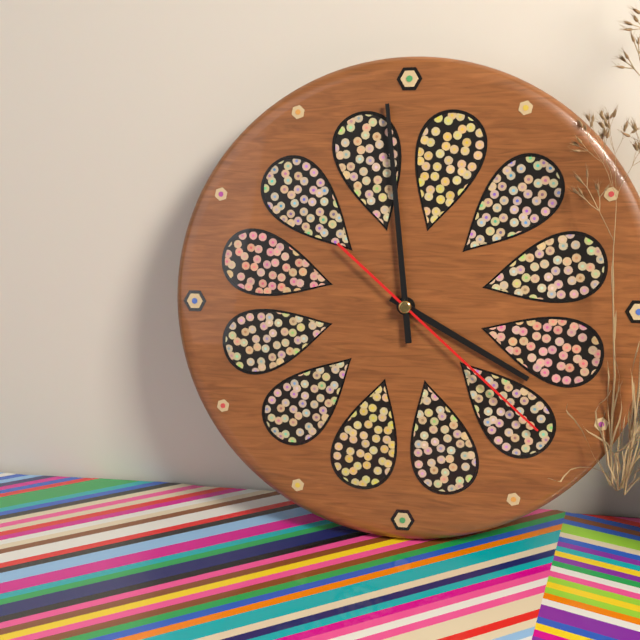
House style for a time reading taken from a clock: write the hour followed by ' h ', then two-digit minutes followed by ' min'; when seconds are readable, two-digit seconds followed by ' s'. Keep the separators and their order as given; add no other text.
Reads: 3 h 59 min 22 s
